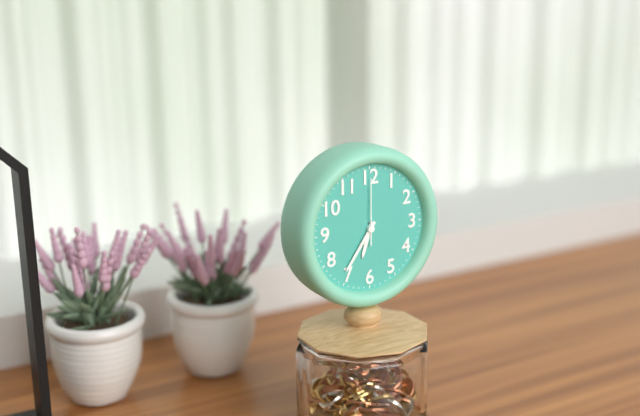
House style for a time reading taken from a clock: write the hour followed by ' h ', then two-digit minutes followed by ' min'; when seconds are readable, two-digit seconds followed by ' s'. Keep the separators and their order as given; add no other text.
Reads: 6 h 36 min 00 s
